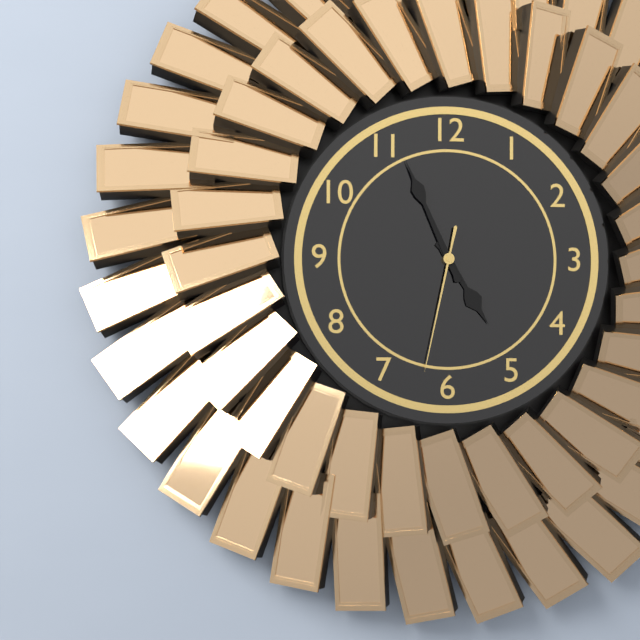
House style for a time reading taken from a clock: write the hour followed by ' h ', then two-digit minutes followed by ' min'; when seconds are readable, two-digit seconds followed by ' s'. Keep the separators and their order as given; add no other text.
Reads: 4 h 56 min 32 s
